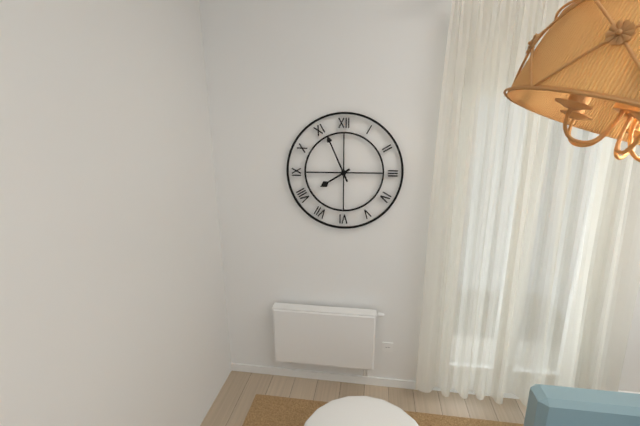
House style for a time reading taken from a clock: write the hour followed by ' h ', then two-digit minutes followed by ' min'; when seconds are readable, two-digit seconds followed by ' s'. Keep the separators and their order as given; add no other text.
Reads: 7 h 56 min
